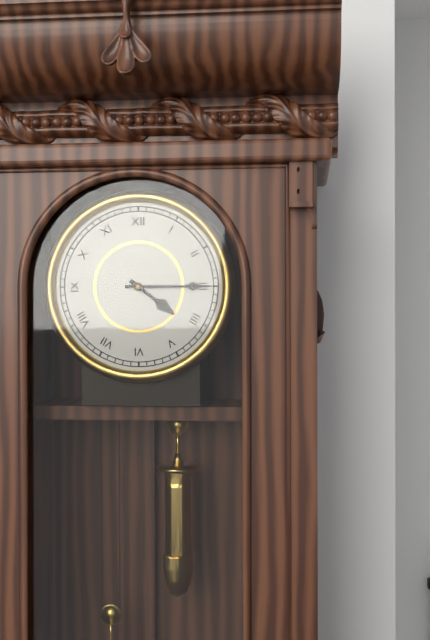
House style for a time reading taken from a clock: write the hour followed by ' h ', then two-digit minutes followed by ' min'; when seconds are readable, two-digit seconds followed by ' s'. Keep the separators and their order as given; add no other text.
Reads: 4 h 15 min
